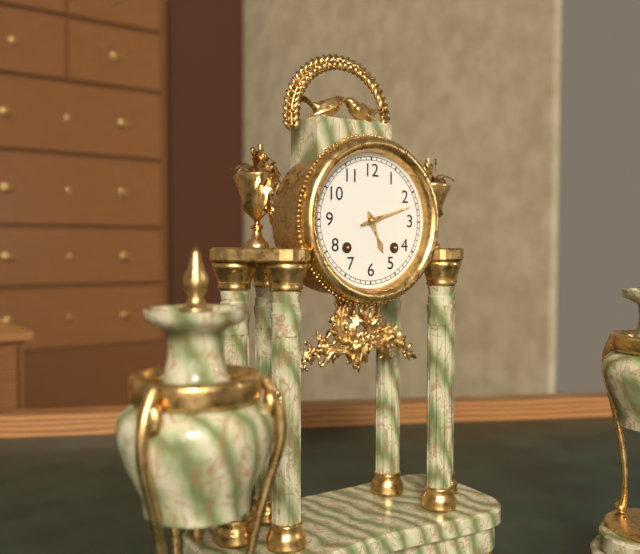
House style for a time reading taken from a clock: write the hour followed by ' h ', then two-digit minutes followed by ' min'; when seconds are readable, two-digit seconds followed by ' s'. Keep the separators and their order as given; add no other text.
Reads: 5 h 12 min
